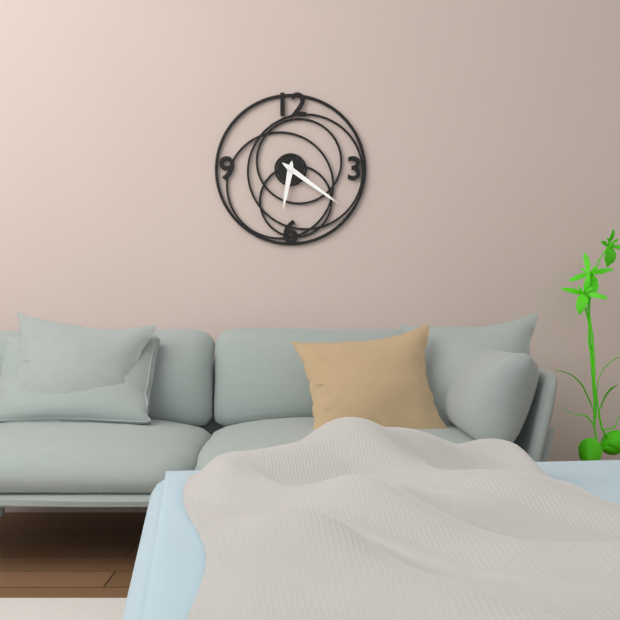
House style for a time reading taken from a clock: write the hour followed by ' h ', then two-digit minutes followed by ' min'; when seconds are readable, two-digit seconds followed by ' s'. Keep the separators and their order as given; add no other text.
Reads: 6 h 21 min
